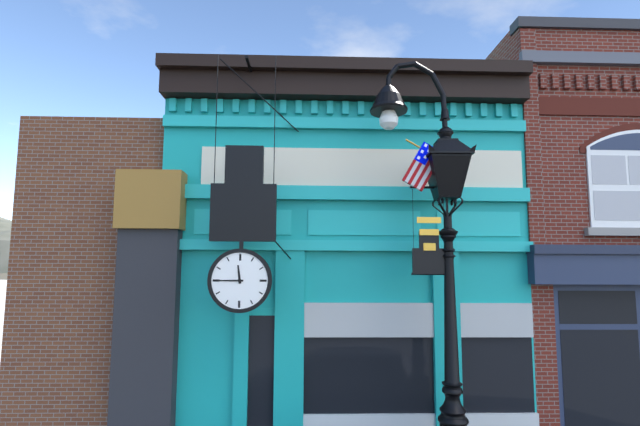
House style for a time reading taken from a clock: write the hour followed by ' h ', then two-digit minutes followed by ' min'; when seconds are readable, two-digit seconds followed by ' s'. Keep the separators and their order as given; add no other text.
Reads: 11 h 45 min
